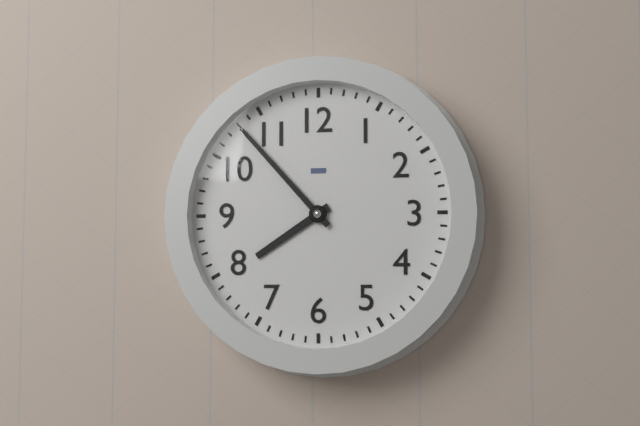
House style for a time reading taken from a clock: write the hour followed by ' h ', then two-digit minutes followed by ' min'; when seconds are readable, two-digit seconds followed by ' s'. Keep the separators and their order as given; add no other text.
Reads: 7 h 53 min
